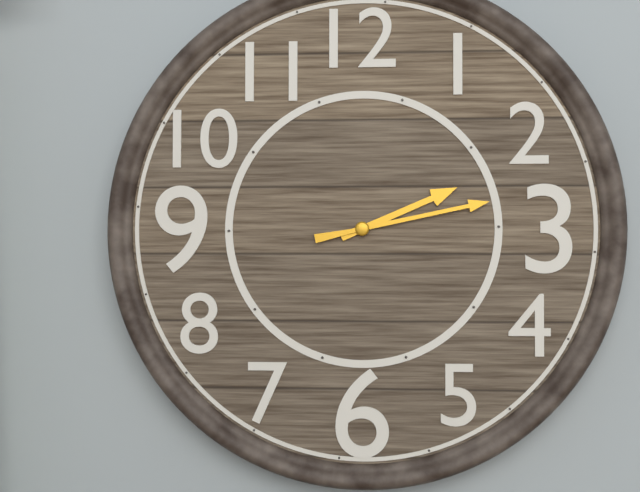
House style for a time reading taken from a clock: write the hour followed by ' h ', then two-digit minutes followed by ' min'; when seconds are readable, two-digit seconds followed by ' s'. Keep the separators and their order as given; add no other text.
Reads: 2 h 13 min
